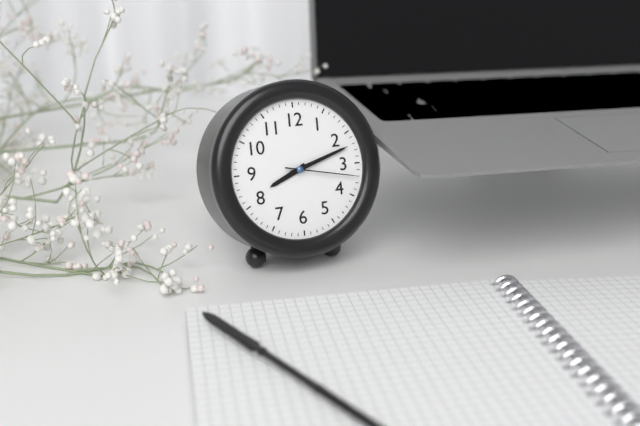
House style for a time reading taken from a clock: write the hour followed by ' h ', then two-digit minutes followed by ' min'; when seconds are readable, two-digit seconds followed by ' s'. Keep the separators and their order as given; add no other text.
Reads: 8 h 12 min 17 s
